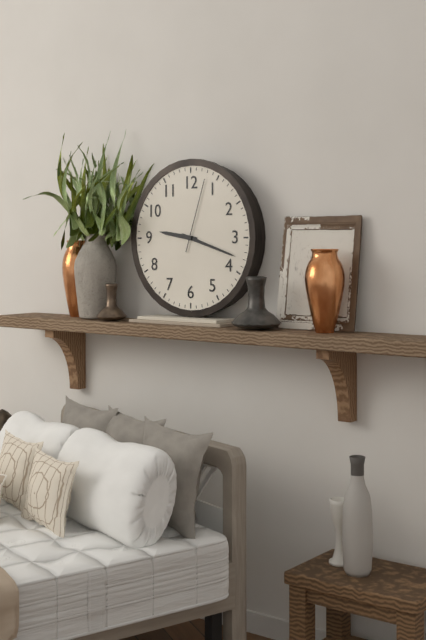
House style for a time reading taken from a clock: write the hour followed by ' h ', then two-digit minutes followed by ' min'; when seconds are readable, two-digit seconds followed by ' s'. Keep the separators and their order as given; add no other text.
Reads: 9 h 18 min 03 s
